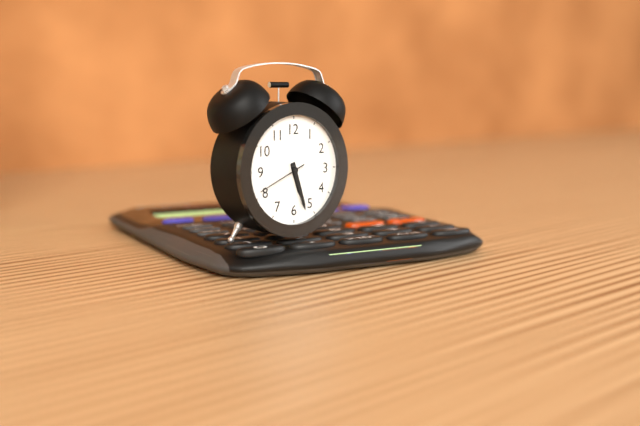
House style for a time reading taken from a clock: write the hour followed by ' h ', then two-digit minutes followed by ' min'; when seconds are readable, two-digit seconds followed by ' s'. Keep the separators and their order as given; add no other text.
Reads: 5 h 27 min
